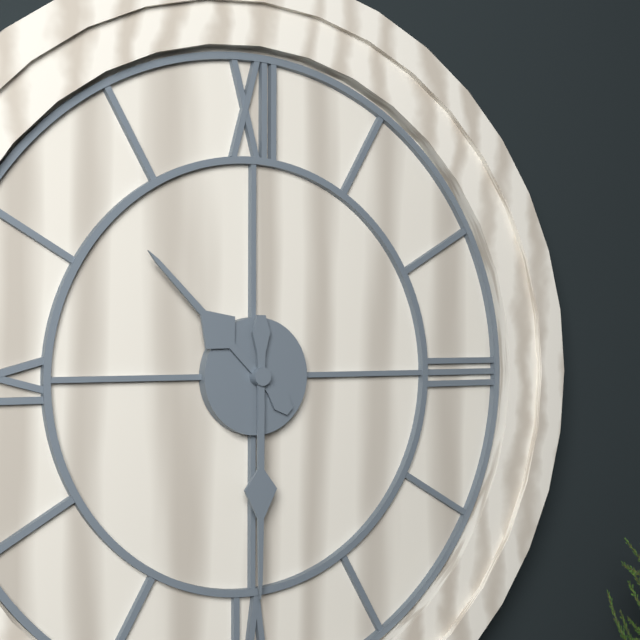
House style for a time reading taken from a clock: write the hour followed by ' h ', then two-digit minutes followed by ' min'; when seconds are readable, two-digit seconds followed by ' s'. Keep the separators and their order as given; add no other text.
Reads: 10 h 30 min
